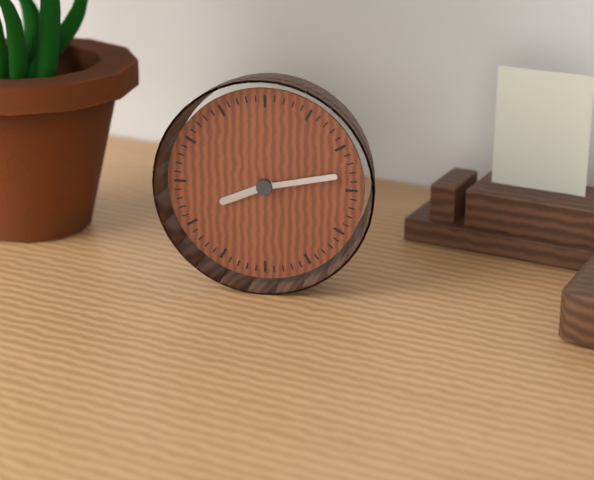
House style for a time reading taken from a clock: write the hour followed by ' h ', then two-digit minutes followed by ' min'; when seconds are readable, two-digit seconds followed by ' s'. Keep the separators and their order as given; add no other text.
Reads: 8 h 13 min
